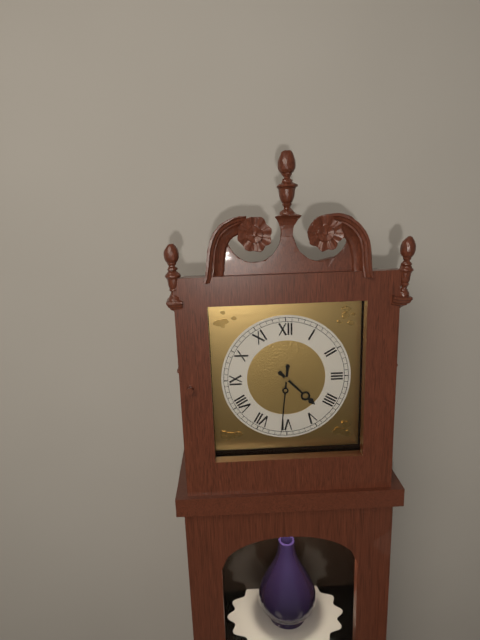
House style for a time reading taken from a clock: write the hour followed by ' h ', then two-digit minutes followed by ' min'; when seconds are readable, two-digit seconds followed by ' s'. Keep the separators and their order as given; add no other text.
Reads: 4 h 31 min
